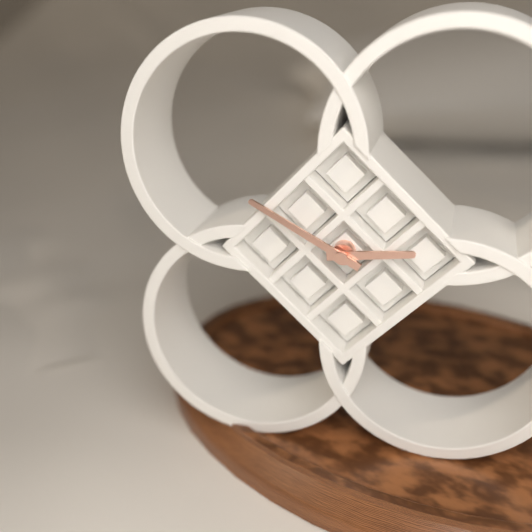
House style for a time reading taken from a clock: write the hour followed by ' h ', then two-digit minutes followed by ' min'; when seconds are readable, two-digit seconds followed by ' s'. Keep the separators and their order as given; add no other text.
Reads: 2 h 50 min
